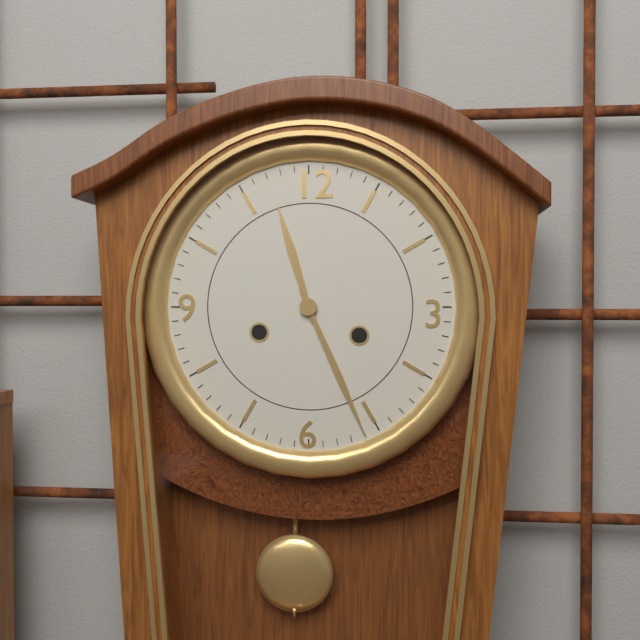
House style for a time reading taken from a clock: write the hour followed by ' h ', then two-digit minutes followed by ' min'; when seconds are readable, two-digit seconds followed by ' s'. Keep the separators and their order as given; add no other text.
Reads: 11 h 26 min
